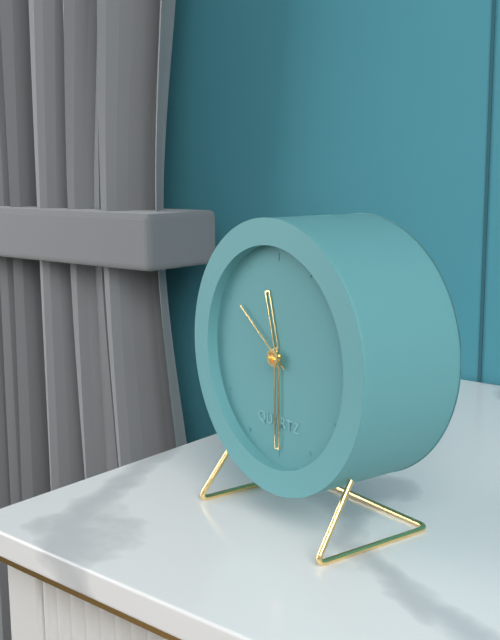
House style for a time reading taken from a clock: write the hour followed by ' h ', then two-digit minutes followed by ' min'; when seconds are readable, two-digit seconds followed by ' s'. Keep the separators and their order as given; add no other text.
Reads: 11 h 30 min 51 s
